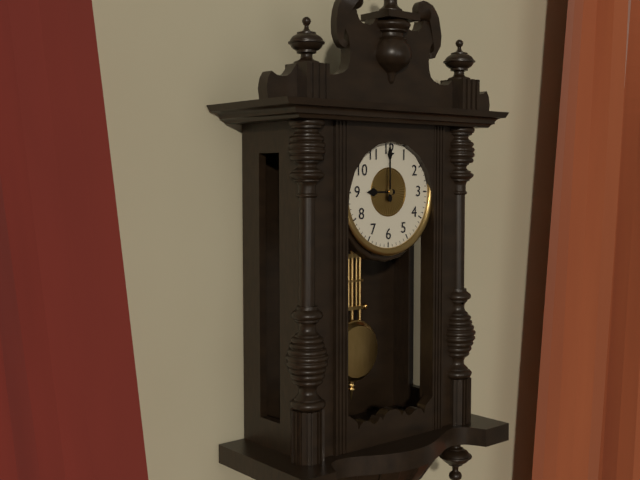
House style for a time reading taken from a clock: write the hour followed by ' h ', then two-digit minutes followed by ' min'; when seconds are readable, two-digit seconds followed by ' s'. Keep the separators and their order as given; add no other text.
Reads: 9 h 00 min
